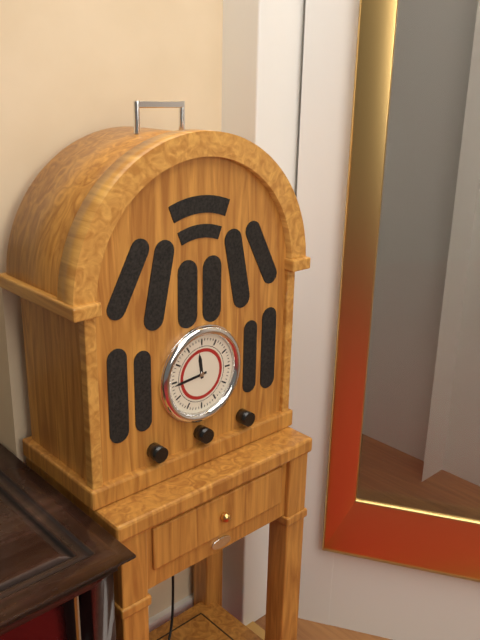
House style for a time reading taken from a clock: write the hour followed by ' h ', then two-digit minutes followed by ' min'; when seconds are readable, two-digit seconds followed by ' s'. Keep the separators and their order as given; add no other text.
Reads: 11 h 44 min
